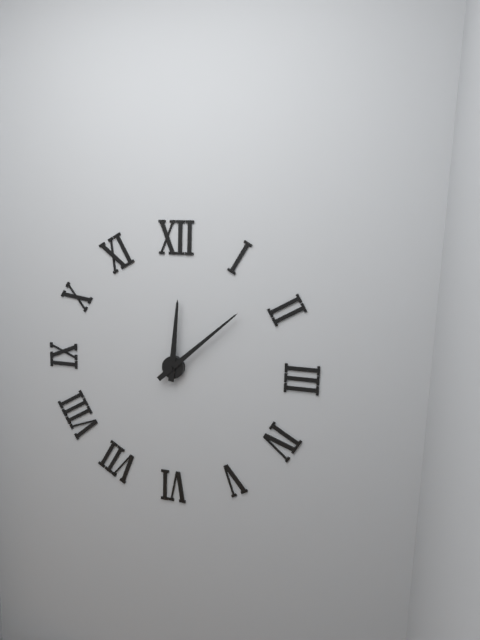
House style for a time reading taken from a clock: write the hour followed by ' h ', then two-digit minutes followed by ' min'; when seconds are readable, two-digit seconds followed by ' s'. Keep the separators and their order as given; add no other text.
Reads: 12 h 08 min
